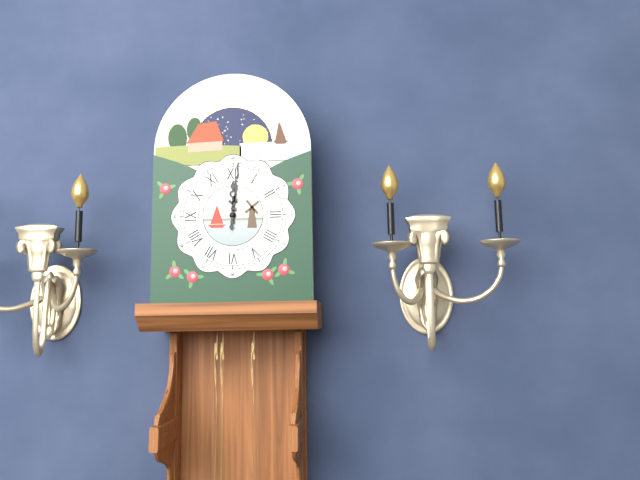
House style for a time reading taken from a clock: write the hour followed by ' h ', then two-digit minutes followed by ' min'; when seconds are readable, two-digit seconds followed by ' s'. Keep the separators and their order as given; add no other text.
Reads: 12 h 01 min
